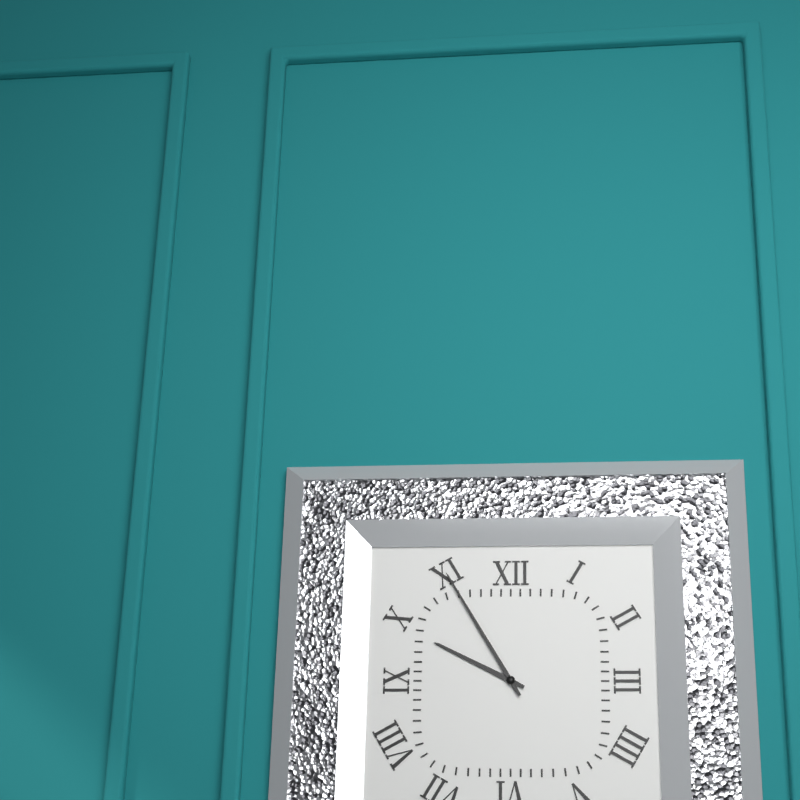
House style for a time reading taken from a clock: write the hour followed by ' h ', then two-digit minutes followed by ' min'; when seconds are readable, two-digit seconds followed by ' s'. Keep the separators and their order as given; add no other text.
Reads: 9 h 55 min
